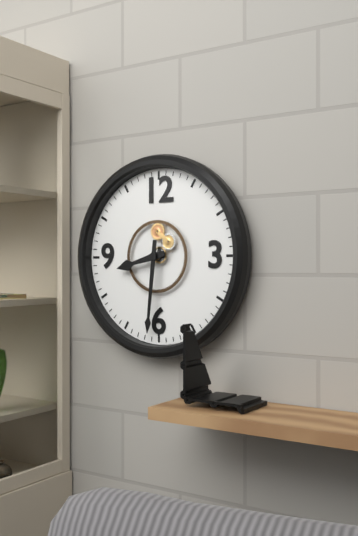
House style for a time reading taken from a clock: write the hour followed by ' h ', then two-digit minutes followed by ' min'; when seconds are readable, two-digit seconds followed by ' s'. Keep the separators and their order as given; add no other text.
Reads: 8 h 31 min
